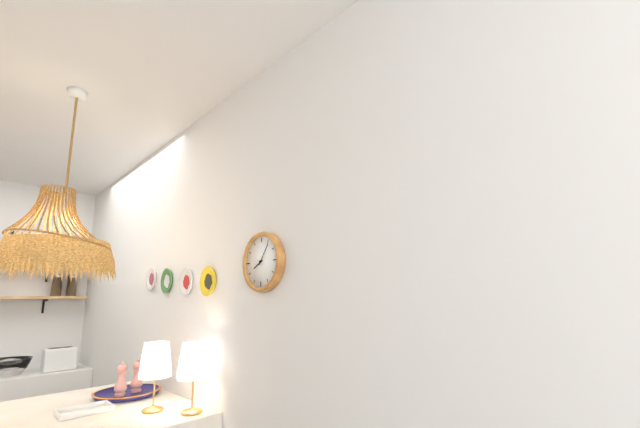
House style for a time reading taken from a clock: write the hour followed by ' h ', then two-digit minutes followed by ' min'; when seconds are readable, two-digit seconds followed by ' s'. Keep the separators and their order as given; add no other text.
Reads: 8 h 06 min
